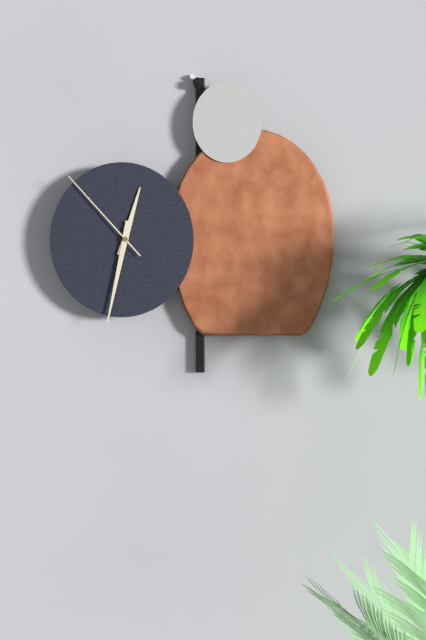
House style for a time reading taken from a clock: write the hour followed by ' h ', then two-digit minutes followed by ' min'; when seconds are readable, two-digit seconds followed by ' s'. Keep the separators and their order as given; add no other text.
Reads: 12 h 32 min 53 s
